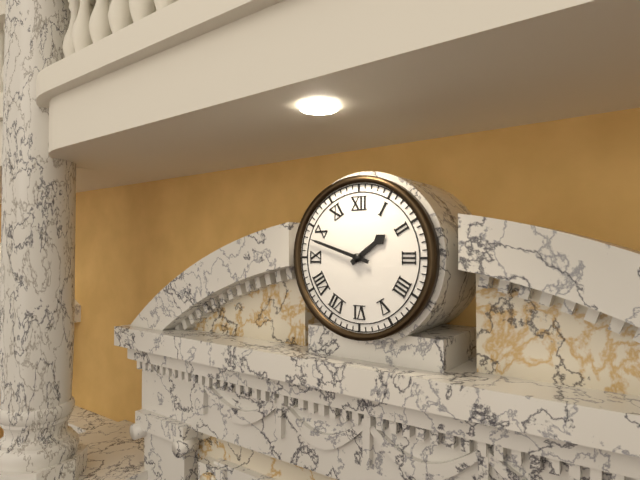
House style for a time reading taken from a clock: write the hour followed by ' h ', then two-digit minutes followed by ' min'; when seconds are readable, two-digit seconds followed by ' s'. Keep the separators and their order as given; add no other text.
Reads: 1 h 48 min
